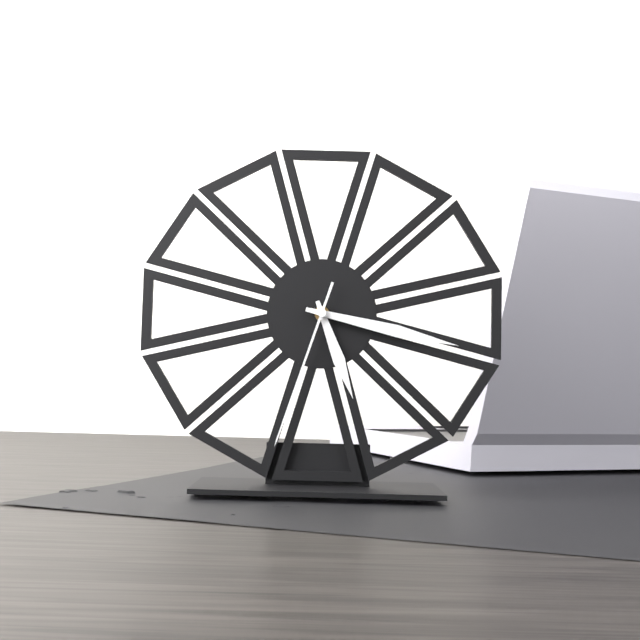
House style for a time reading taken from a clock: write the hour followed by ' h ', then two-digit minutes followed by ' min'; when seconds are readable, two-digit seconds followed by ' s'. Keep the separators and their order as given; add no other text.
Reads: 5 h 17 min 33 s
